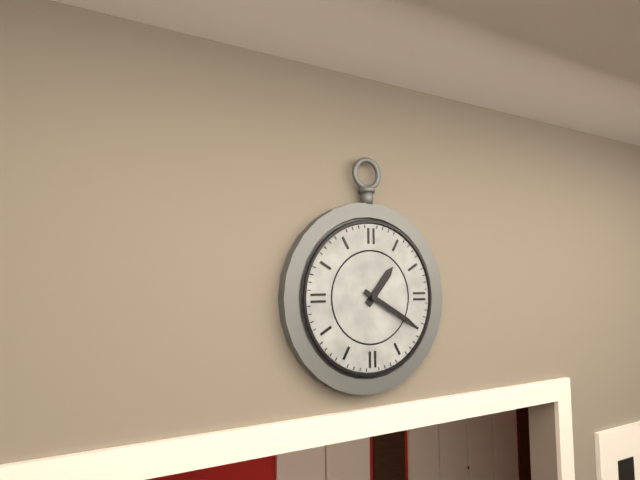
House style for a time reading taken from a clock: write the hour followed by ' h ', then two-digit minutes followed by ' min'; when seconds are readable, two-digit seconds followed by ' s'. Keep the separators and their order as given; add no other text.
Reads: 1 h 20 min
